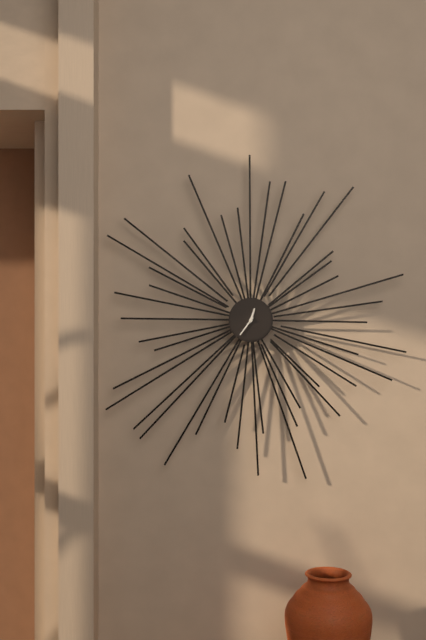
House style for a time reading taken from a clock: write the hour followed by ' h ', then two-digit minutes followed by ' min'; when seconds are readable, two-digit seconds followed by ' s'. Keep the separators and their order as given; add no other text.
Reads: 12 h 36 min
